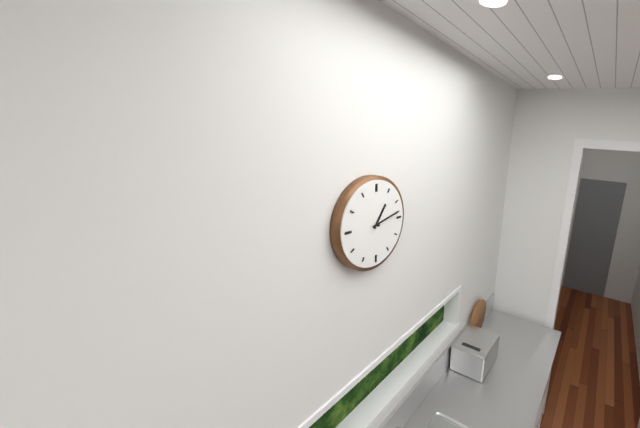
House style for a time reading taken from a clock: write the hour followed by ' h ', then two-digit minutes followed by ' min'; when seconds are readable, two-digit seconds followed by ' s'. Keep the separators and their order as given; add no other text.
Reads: 1 h 13 min
